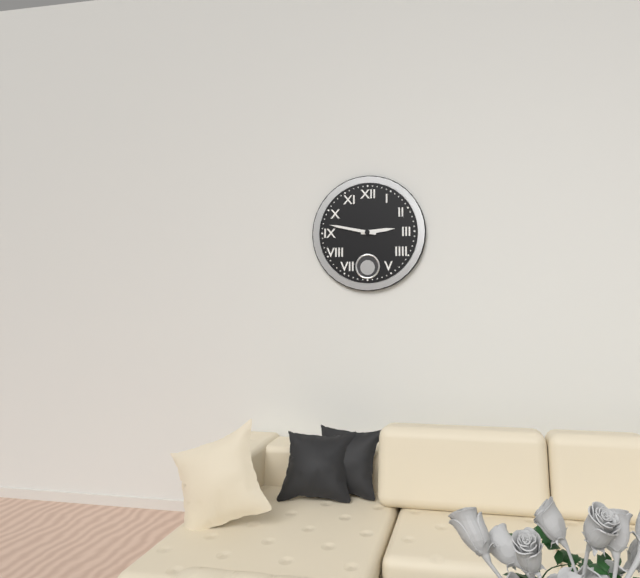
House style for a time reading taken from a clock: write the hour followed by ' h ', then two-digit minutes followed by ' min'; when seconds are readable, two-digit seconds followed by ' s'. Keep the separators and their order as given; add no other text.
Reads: 2 h 47 min
